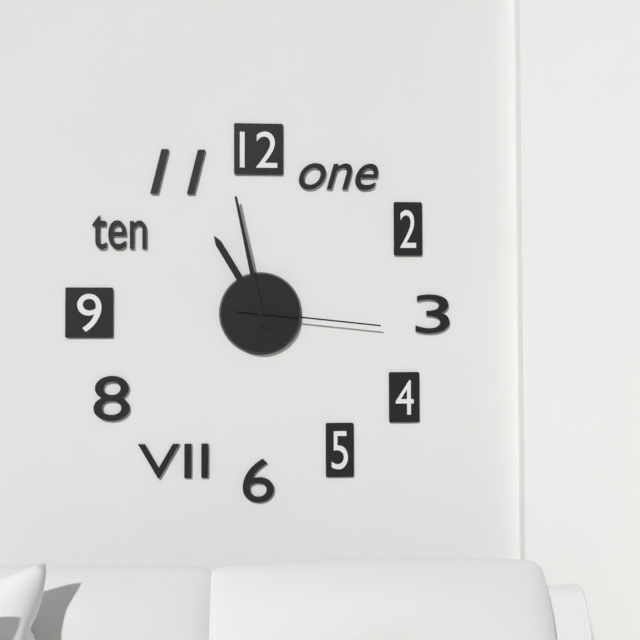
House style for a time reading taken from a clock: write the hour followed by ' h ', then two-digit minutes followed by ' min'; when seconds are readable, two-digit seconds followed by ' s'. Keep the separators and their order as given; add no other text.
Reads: 10 h 58 min 16 s
